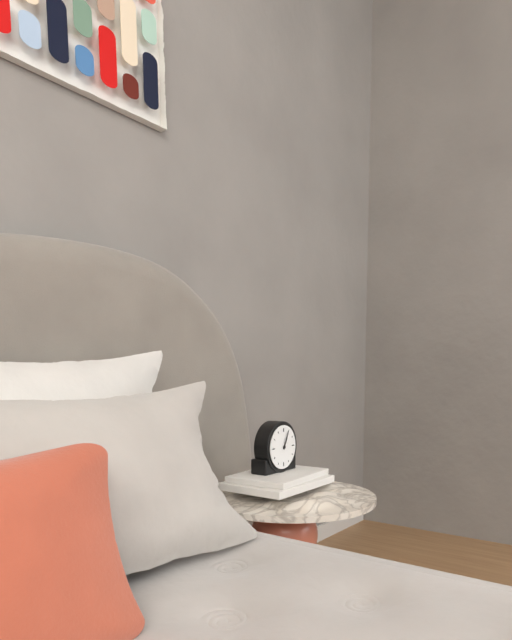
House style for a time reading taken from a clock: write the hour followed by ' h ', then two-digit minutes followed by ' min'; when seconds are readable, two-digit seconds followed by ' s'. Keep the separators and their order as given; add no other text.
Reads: 1 h 04 min
